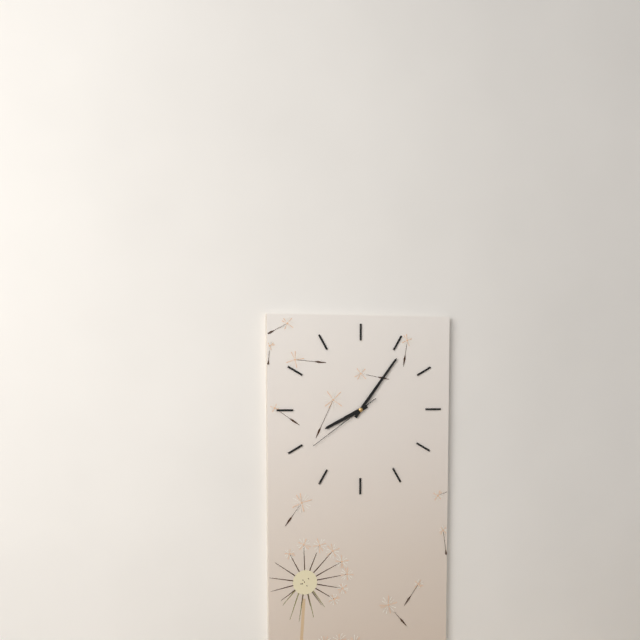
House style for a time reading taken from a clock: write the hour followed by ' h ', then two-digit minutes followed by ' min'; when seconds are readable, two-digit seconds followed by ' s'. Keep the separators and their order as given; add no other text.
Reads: 8 h 06 min 39 s
